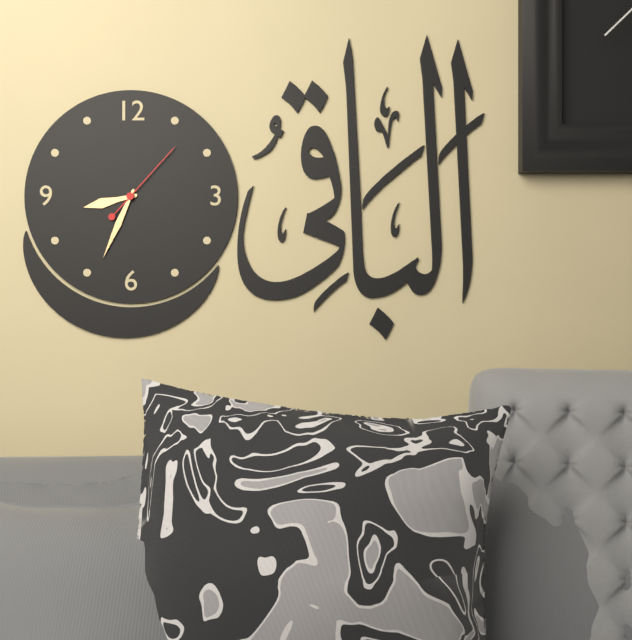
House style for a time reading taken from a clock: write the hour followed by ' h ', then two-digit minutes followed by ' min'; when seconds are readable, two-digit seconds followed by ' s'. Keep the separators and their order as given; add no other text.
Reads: 8 h 34 min 07 s
